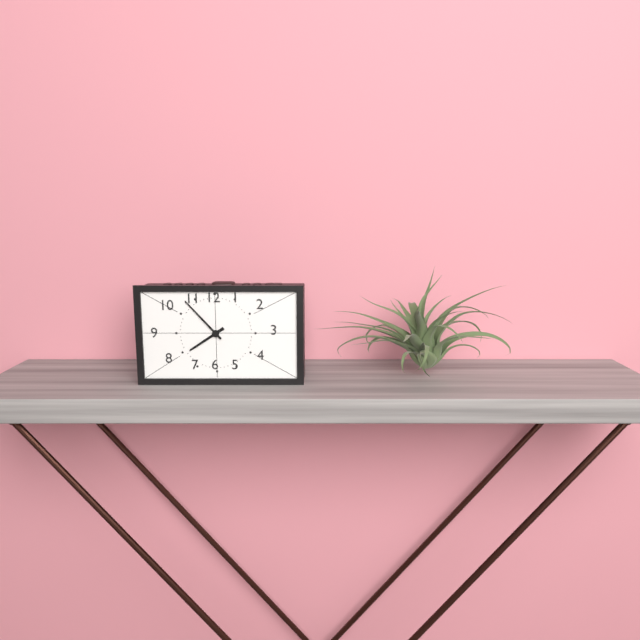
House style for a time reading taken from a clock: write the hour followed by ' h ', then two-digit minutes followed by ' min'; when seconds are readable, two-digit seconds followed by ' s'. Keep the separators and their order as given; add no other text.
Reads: 7 h 53 min
